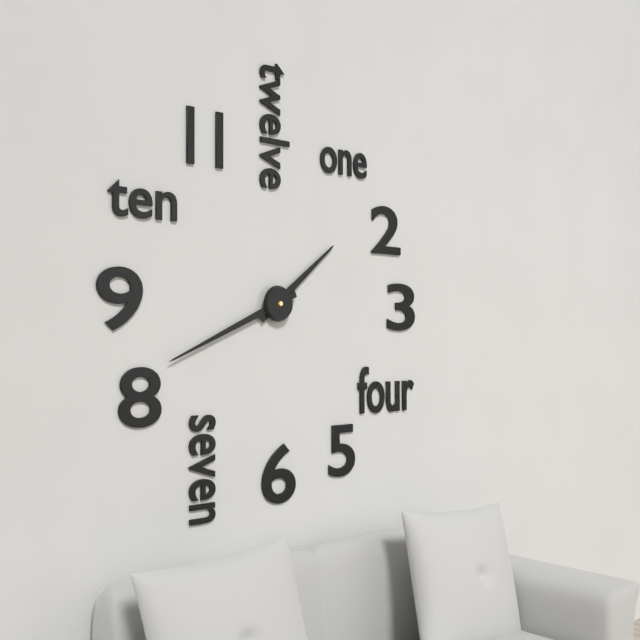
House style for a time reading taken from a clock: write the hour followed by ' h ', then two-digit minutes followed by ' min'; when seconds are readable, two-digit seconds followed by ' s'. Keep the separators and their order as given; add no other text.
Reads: 1 h 41 min
